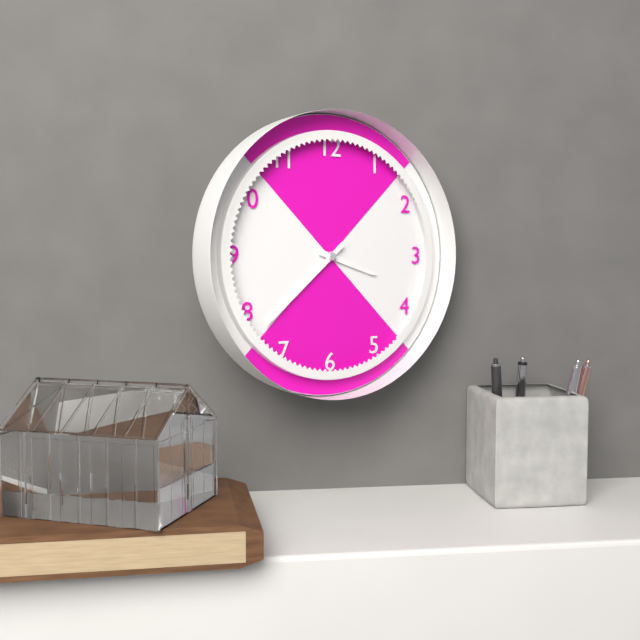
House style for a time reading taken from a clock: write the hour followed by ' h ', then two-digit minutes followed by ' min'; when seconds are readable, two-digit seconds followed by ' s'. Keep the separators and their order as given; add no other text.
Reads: 3 h 38 min
